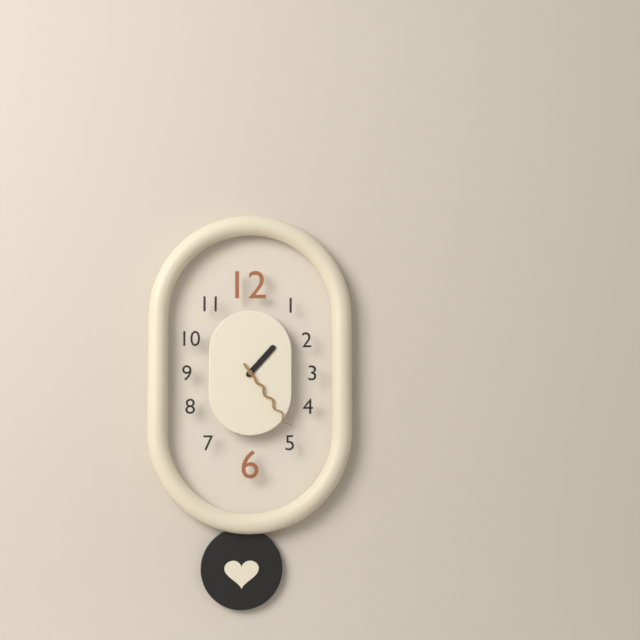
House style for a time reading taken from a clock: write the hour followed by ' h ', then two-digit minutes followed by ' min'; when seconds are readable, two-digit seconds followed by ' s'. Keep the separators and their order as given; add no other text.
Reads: 1 h 24 min
